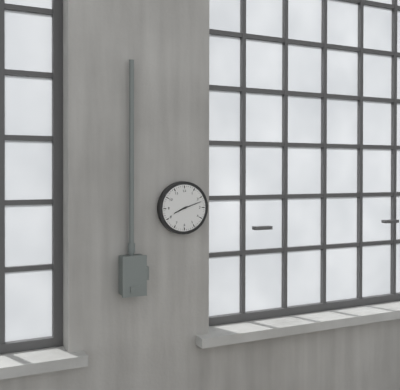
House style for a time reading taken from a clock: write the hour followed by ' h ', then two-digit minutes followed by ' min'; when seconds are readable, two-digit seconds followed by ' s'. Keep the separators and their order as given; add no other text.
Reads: 8 h 12 min
